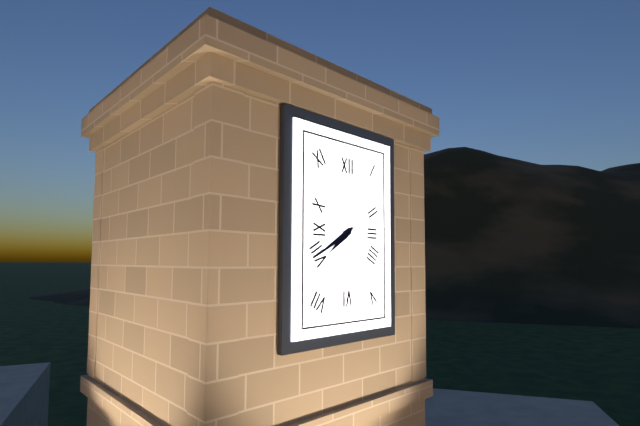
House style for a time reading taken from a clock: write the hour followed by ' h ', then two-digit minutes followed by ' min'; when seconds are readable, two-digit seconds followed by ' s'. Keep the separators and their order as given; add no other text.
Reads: 7 h 40 min
